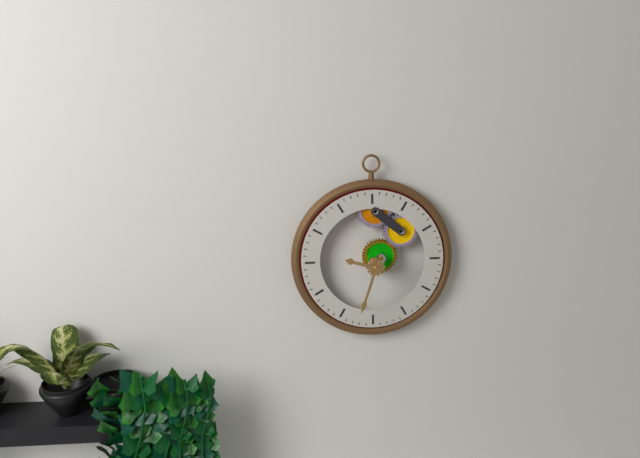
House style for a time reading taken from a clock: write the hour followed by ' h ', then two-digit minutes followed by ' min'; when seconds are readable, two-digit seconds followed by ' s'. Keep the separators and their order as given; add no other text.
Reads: 9 h 33 min
